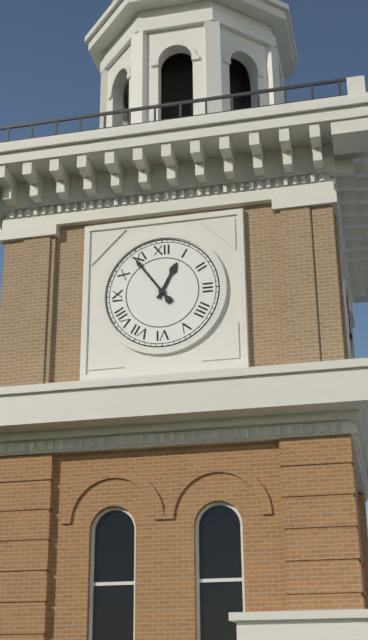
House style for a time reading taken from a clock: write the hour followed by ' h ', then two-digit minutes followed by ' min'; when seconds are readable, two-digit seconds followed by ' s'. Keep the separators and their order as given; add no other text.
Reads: 12 h 54 min
